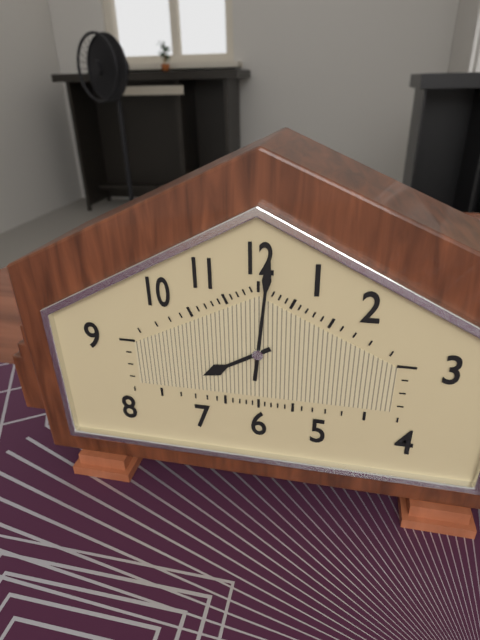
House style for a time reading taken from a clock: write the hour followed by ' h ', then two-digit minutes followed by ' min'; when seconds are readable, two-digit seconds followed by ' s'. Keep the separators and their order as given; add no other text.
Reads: 8 h 01 min
